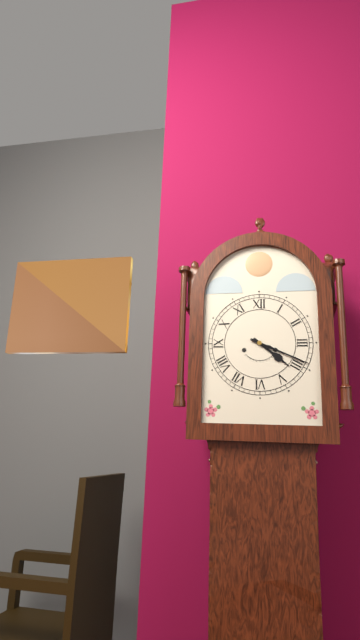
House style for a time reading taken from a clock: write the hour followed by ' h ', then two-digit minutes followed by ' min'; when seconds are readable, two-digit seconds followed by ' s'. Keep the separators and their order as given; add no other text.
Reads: 4 h 19 min
